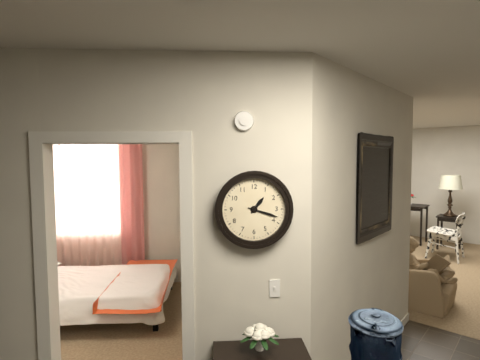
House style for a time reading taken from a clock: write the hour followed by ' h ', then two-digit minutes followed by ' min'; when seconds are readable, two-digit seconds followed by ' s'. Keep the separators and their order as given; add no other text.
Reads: 1 h 18 min
